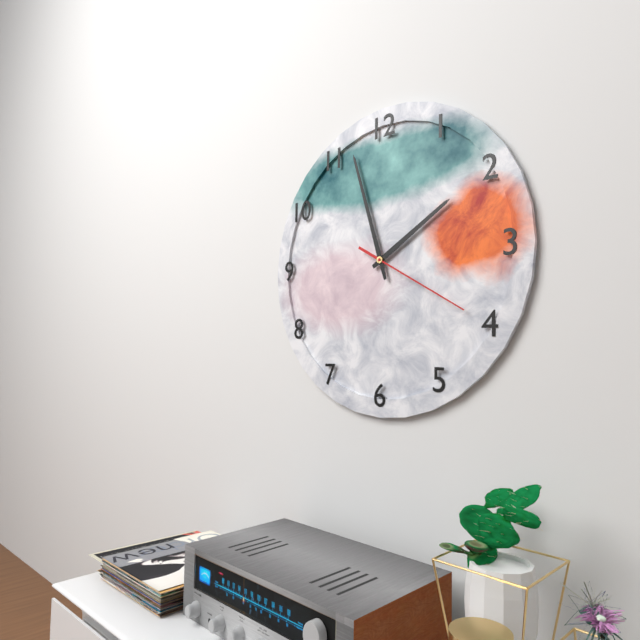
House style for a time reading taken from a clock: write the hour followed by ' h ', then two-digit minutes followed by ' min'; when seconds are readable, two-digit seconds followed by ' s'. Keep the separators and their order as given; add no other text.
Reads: 1 h 57 min 20 s
